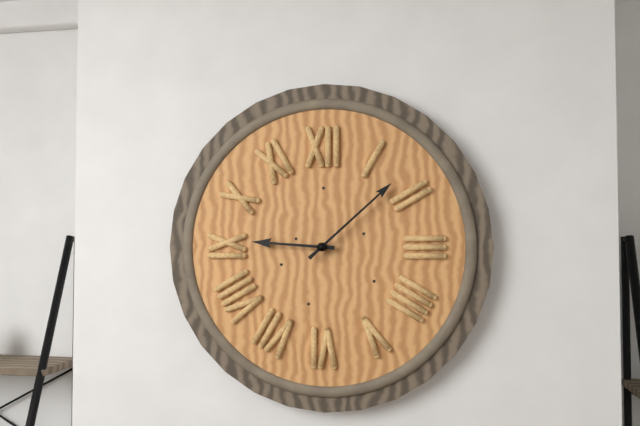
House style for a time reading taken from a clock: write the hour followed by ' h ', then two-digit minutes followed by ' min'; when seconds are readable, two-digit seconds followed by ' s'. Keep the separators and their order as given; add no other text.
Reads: 9 h 08 min
